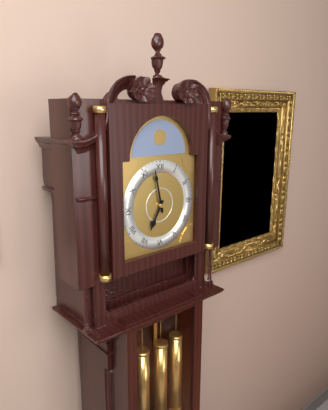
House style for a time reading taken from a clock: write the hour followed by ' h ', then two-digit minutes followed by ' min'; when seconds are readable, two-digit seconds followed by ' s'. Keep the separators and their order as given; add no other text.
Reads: 6 h 58 min
